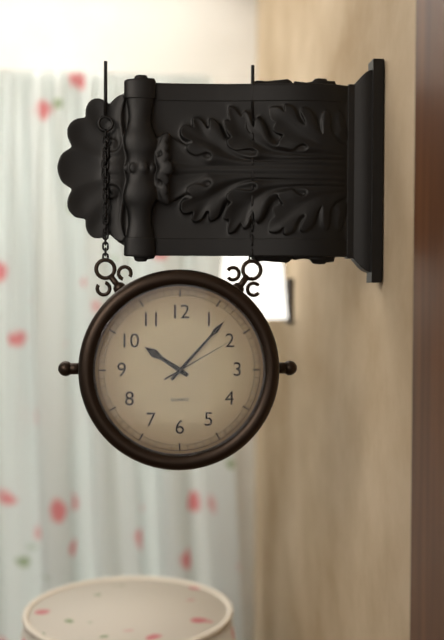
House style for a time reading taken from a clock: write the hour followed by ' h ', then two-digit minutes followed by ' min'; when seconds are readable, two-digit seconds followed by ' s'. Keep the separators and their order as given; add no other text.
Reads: 10 h 07 min 10 s
